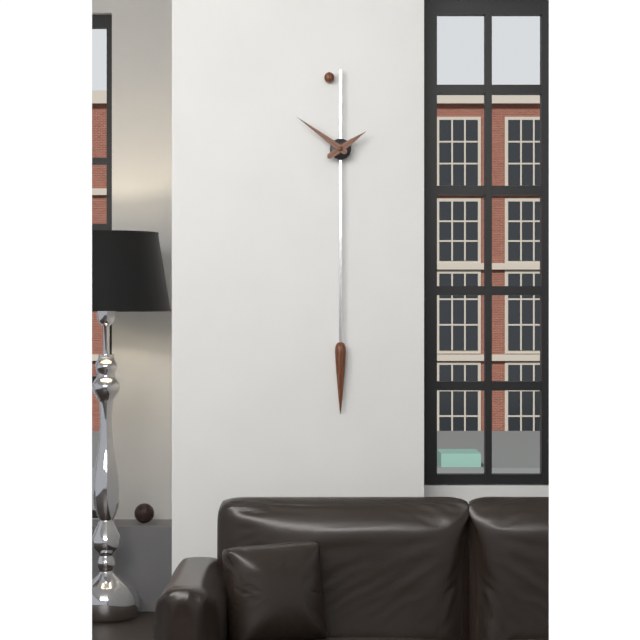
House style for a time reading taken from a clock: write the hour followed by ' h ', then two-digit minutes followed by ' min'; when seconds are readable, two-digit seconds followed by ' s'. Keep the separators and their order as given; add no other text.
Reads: 1 h 51 min
